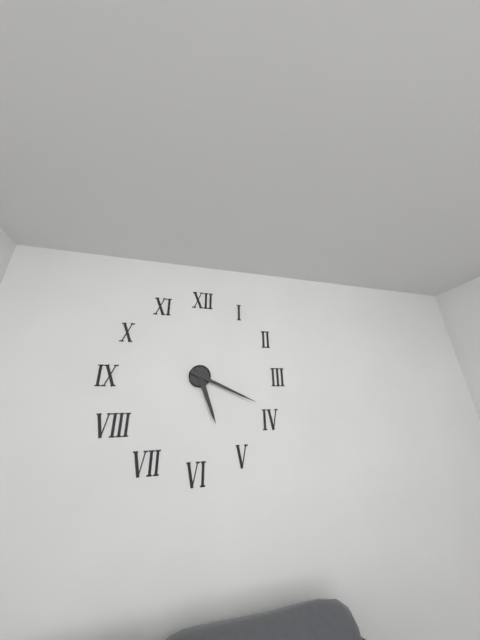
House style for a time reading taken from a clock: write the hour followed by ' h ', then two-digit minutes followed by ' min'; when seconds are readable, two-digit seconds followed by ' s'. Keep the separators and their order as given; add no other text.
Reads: 5 h 19 min
